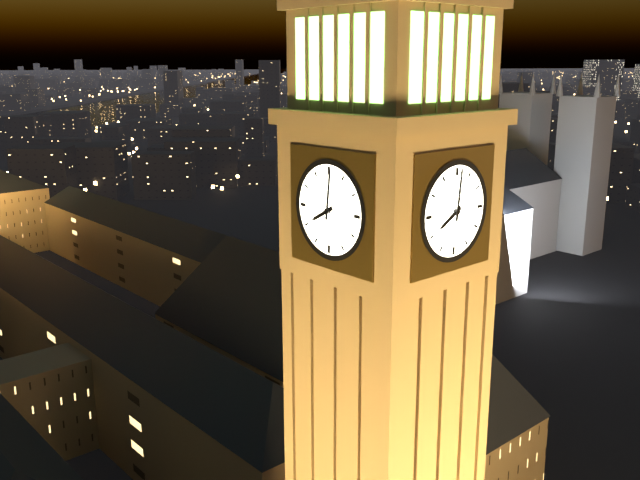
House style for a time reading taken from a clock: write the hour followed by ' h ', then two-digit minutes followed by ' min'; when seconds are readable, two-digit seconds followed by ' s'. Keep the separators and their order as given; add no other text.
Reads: 8 h 01 min
